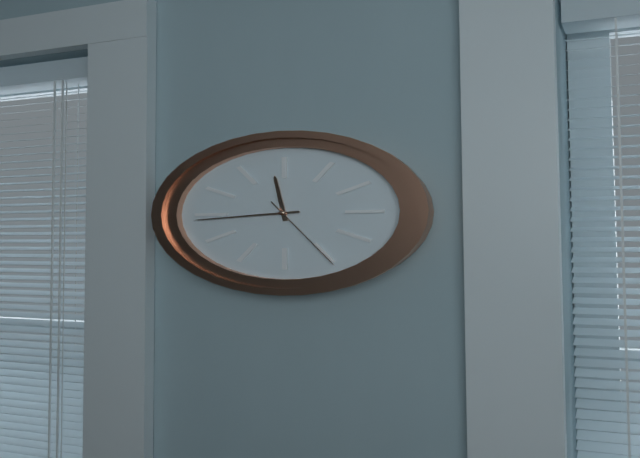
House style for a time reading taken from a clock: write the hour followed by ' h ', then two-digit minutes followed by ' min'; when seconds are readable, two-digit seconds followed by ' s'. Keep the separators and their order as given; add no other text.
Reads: 11 h 44 min 25 s
